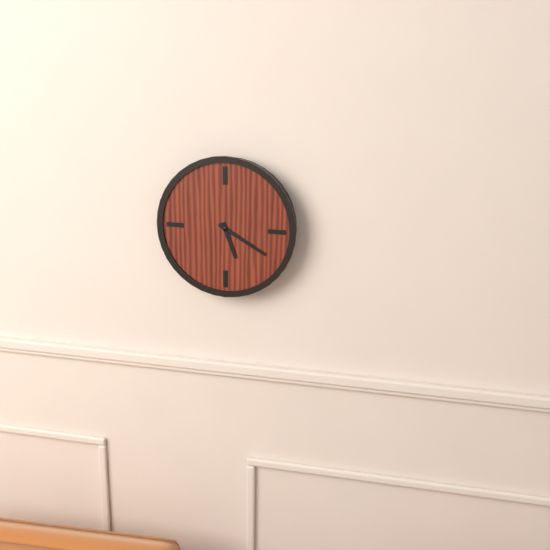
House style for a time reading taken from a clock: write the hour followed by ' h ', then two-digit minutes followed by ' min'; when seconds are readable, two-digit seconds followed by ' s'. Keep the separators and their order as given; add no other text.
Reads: 5 h 20 min
